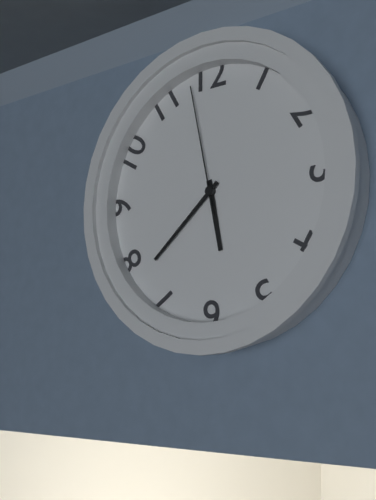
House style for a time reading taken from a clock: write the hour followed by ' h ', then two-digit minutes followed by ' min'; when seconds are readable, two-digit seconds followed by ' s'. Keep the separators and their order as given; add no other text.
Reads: 5 h 38 min 58 s
